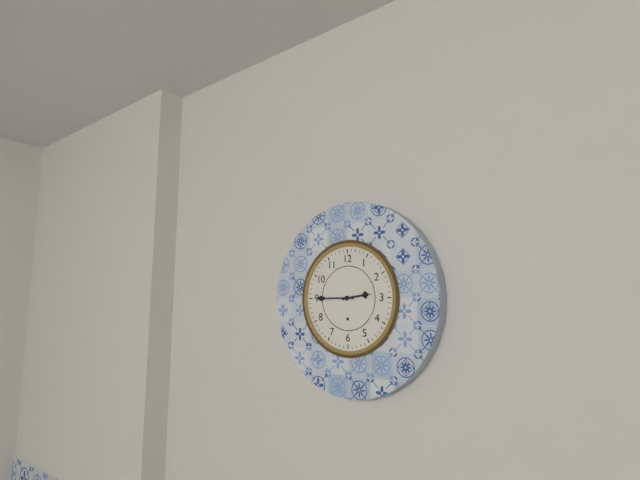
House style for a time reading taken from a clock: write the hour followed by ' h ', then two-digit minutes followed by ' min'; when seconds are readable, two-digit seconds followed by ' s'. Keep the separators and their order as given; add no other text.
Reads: 2 h 45 min
